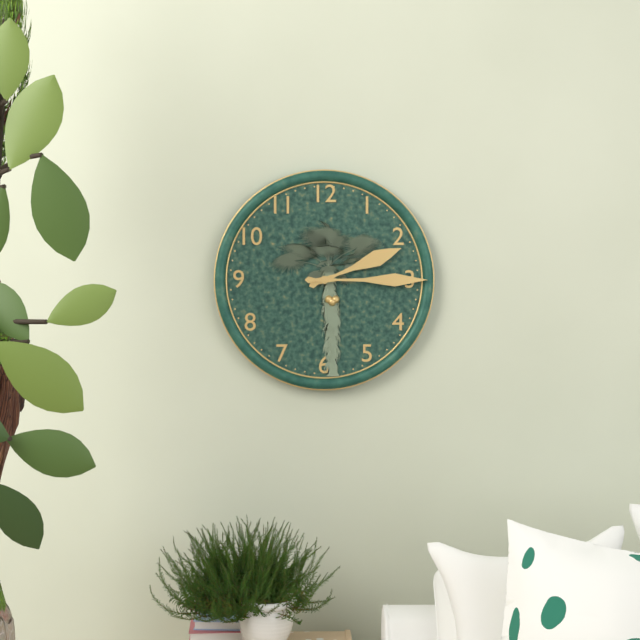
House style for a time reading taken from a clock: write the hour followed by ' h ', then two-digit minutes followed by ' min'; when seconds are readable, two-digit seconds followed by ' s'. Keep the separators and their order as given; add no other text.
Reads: 2 h 15 min
